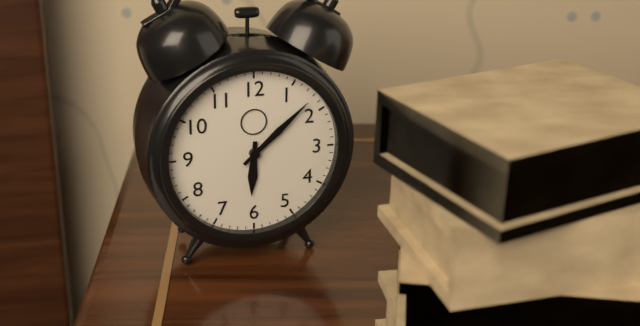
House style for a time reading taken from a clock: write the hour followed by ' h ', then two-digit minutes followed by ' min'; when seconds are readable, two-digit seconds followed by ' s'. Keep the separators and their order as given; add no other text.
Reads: 6 h 08 min
